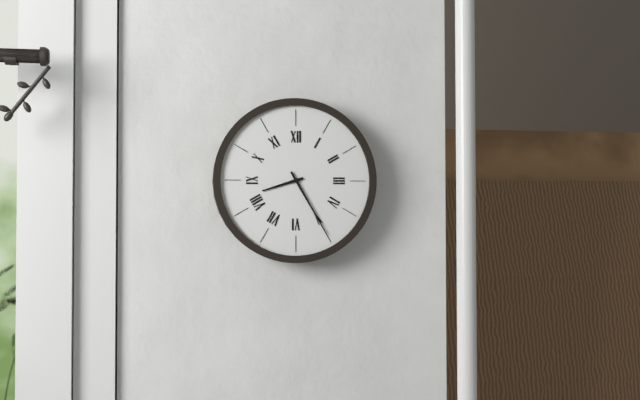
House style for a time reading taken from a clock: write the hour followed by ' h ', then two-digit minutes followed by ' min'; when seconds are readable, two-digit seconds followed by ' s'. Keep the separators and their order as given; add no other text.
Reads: 8 h 25 min
